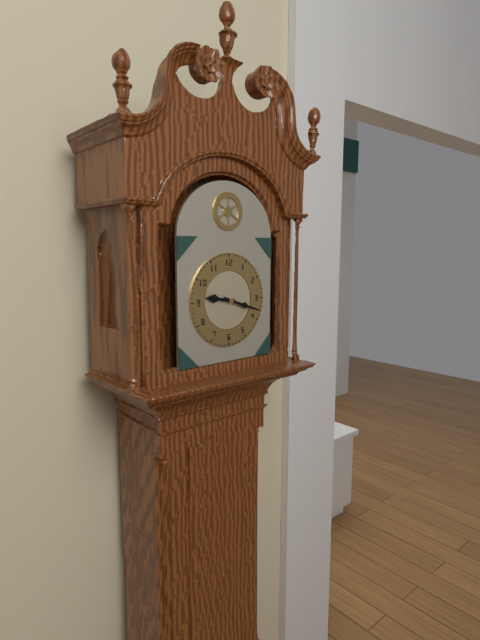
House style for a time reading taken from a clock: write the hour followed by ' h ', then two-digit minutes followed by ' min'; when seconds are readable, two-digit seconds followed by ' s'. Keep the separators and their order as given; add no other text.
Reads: 9 h 18 min
